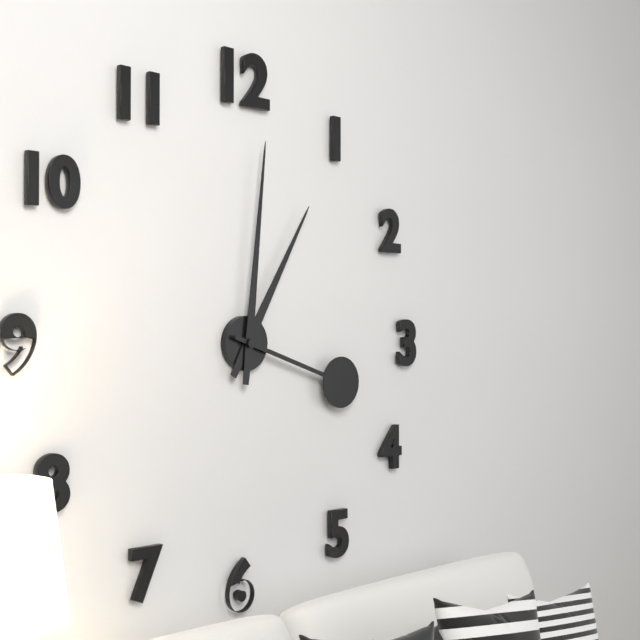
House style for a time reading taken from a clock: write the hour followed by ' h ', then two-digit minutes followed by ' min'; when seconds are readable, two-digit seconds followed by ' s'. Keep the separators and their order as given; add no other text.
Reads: 1 h 01 min 18 s
